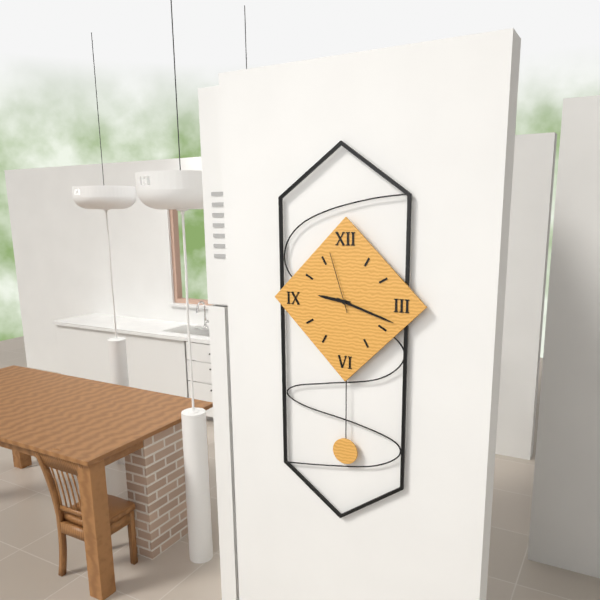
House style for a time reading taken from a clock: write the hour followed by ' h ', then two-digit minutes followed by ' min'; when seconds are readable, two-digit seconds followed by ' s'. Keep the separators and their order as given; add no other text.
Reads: 9 h 18 min 57 s
